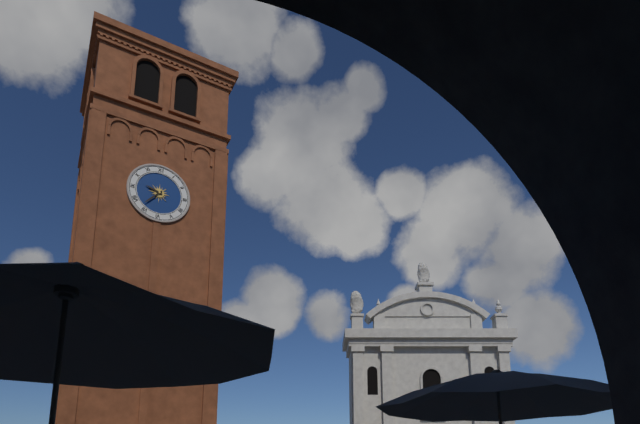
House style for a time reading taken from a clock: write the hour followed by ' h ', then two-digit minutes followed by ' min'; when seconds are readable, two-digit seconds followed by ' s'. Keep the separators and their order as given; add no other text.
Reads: 9 h 37 min
